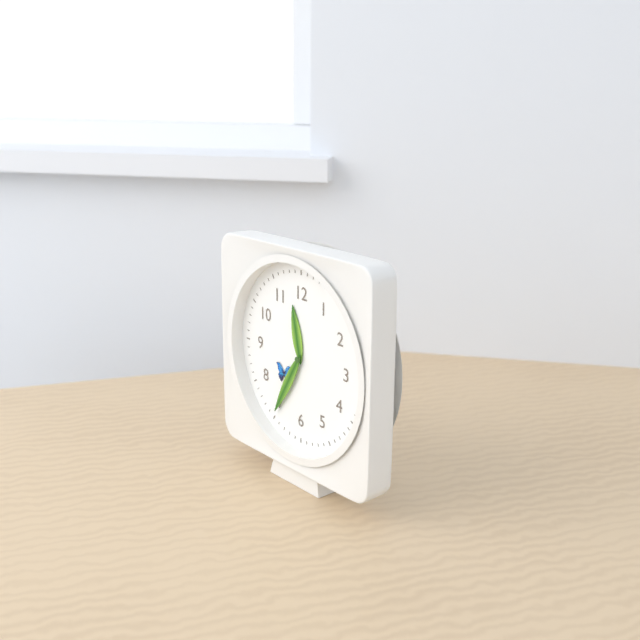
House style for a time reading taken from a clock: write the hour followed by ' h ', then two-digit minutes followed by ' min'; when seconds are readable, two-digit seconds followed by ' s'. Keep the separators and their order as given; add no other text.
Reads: 11 h 35 min
